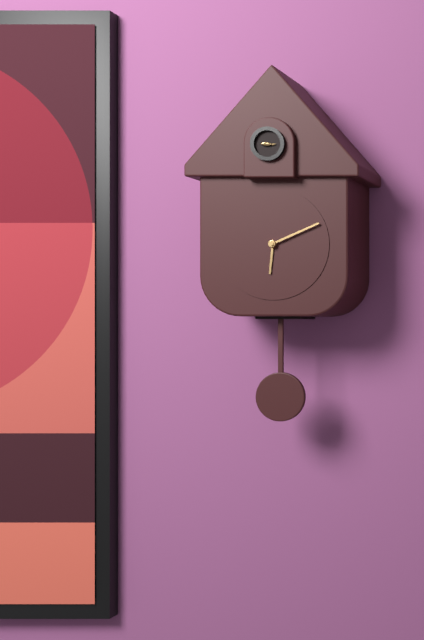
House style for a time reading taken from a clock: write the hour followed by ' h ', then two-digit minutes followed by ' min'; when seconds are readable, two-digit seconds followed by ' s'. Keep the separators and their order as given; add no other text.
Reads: 6 h 11 min
